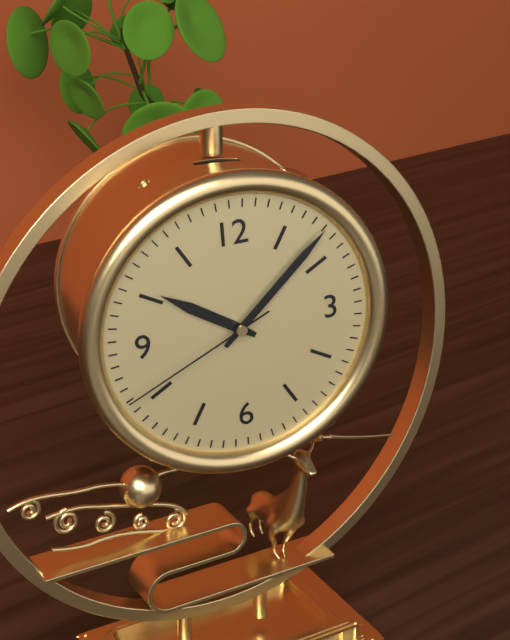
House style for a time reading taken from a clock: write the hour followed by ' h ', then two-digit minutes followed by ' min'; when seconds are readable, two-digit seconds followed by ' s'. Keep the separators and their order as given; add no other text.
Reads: 10 h 08 min 41 s
